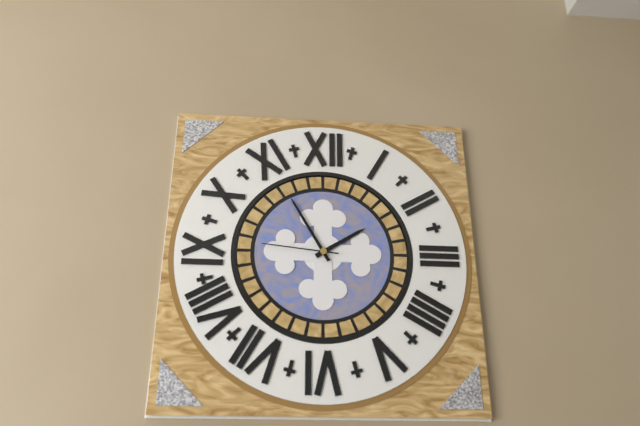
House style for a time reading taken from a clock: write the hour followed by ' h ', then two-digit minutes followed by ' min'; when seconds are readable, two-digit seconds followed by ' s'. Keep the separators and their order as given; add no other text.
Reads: 1 h 55 min 46 s
